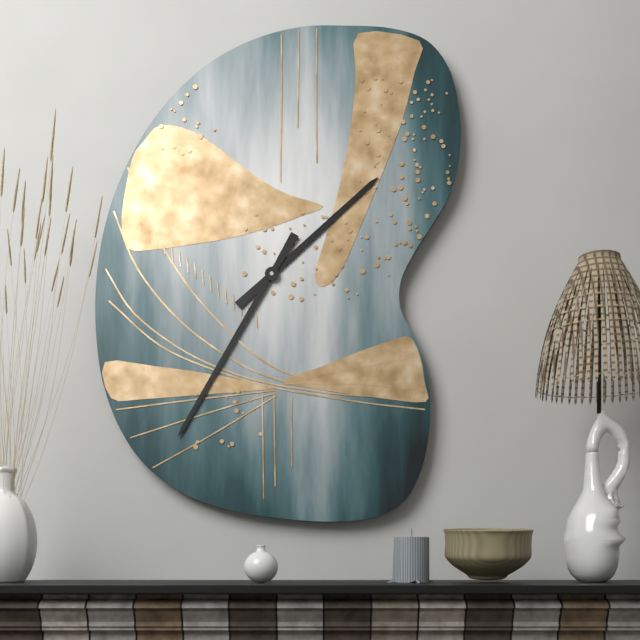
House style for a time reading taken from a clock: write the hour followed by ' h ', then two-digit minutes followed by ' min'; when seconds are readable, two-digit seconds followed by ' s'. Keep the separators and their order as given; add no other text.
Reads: 1 h 35 min
